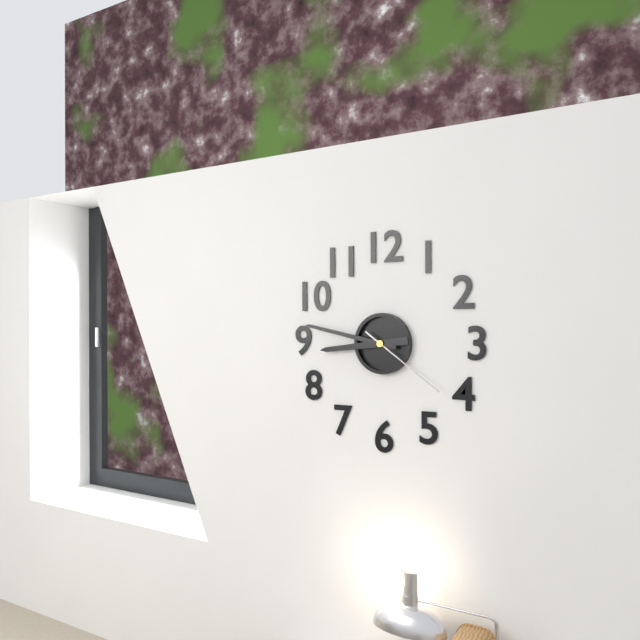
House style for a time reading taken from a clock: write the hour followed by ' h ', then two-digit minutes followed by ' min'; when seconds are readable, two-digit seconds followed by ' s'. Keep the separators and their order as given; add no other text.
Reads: 8 h 47 min 21 s
